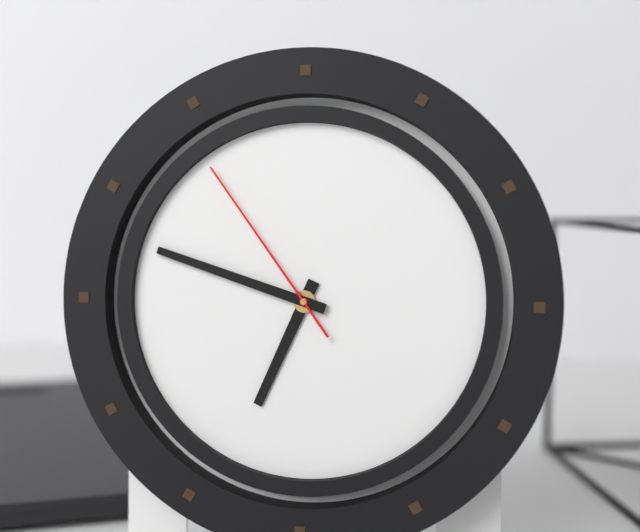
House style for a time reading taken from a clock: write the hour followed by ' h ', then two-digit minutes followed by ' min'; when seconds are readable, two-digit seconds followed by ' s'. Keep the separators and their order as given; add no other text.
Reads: 6 h 48 min 54 s
